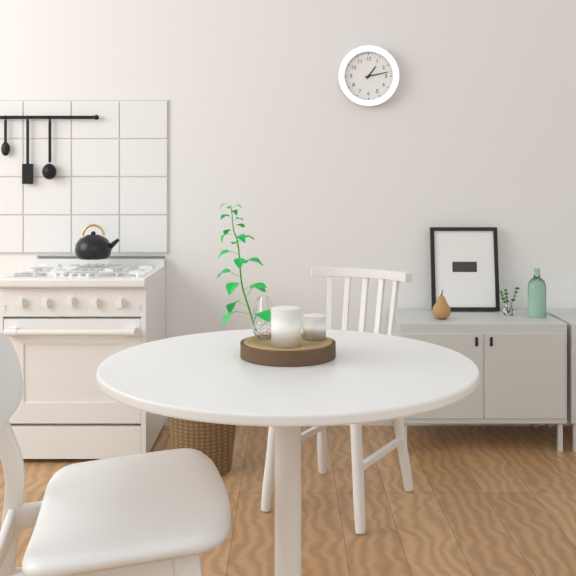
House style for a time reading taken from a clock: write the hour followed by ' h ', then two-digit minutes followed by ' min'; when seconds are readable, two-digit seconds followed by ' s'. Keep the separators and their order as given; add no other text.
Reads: 1 h 13 min
